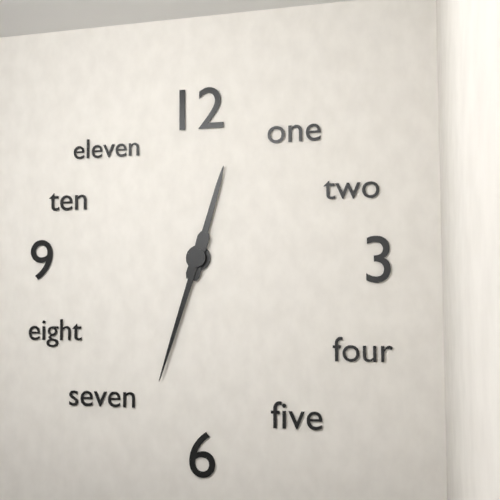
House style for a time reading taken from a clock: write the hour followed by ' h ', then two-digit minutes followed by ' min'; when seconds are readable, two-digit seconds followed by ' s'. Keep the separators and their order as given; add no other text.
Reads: 12 h 33 min
